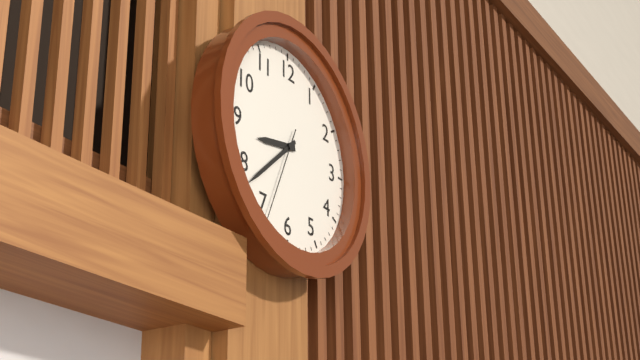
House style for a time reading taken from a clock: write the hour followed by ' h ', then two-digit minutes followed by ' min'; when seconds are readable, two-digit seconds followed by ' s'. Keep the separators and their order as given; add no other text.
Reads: 8 h 38 min 34 s
